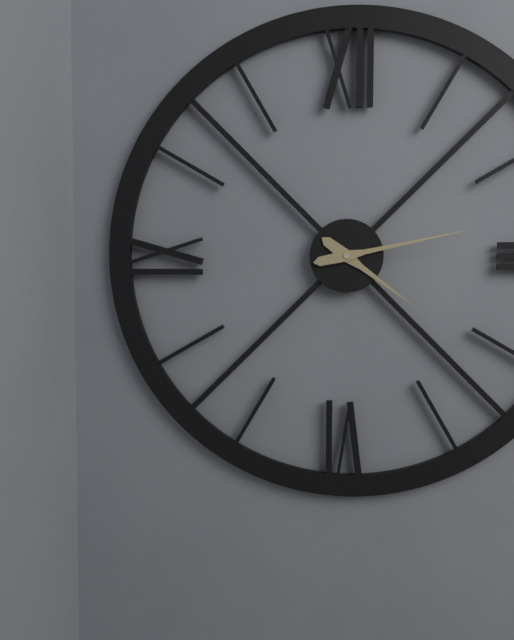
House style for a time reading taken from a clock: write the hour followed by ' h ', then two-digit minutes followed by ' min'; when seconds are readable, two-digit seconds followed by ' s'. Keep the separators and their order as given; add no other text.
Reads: 4 h 13 min
